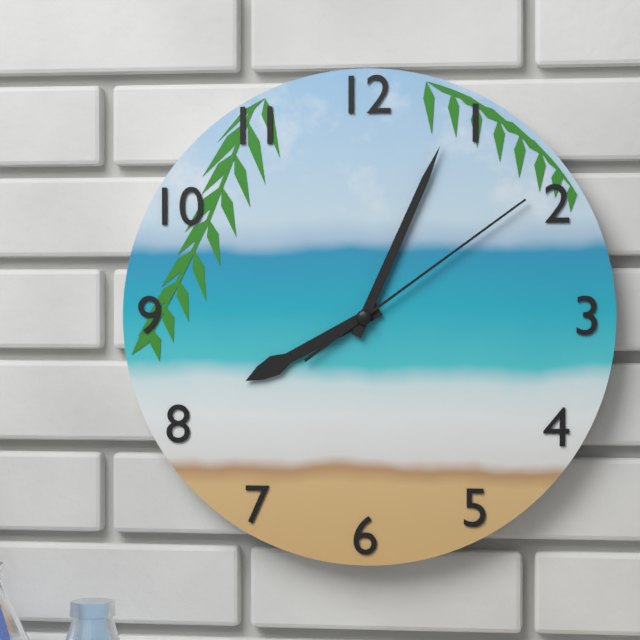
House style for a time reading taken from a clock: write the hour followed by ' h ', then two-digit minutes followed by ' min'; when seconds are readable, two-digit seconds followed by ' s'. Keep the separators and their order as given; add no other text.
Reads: 8 h 04 min 09 s
